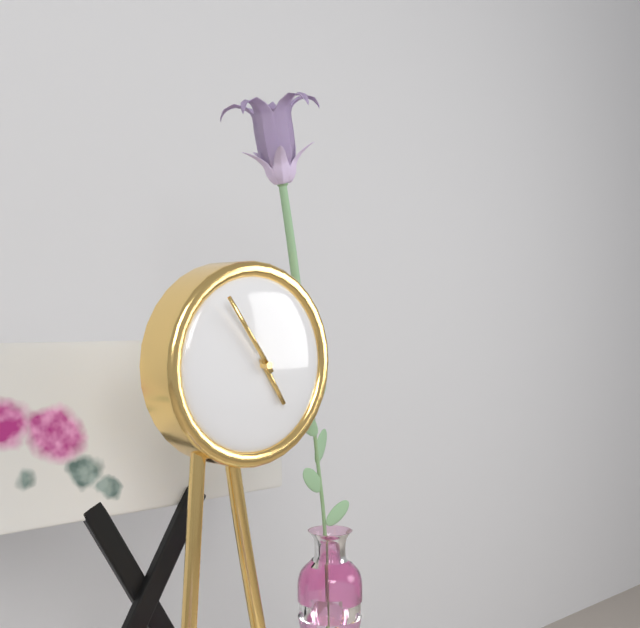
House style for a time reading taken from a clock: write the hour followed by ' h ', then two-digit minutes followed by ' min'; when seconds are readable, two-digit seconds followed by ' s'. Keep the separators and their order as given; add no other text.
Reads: 4 h 54 min
